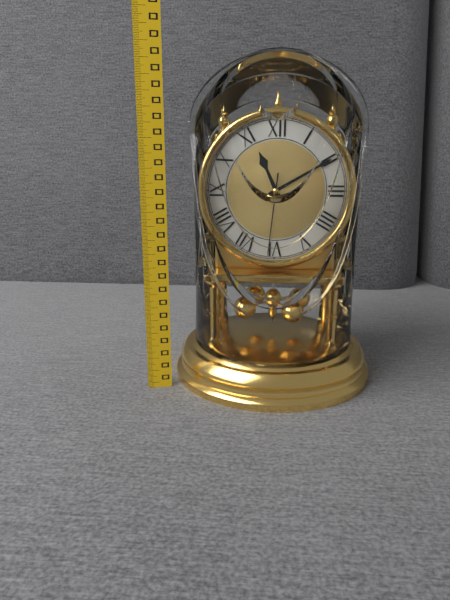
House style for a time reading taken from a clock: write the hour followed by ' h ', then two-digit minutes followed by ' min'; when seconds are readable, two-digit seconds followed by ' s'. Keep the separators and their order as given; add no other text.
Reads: 11 h 10 min 31 s
